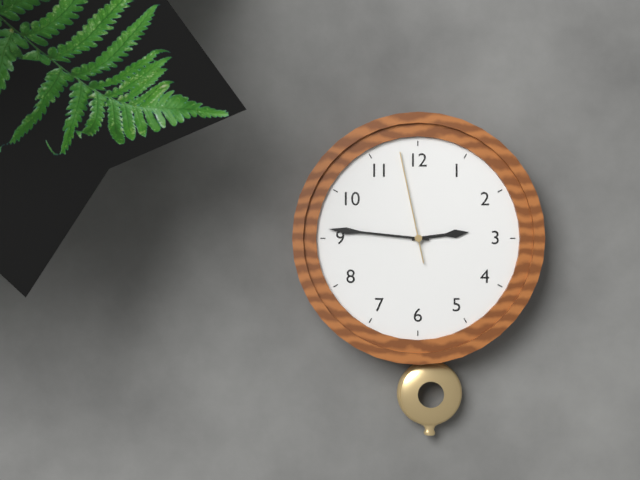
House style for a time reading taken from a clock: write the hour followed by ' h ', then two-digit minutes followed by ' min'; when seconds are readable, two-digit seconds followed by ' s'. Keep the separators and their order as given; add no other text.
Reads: 2 h 46 min 58 s
